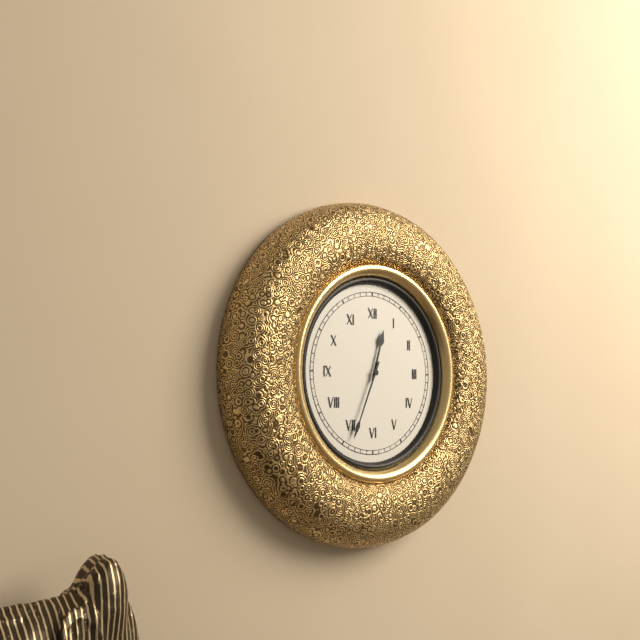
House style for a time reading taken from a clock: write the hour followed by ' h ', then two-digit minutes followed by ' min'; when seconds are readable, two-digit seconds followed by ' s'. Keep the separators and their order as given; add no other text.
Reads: 12 h 34 min
